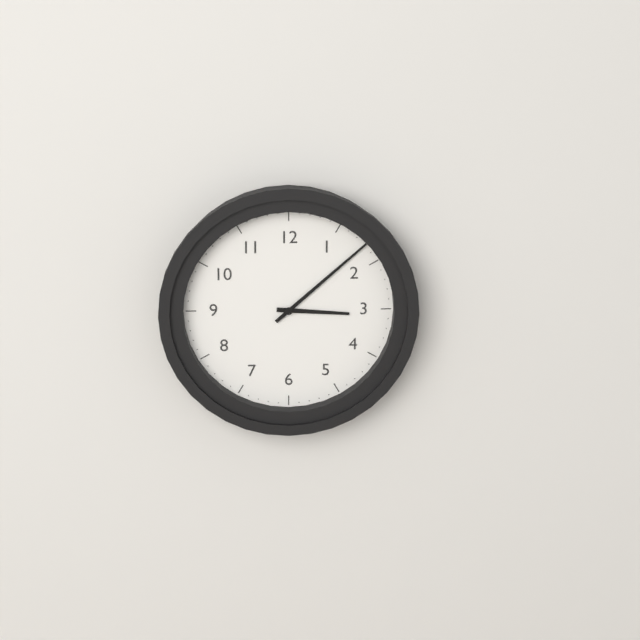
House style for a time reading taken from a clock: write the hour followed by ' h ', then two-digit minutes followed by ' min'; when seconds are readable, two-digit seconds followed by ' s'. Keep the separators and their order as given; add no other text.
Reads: 3 h 08 min
